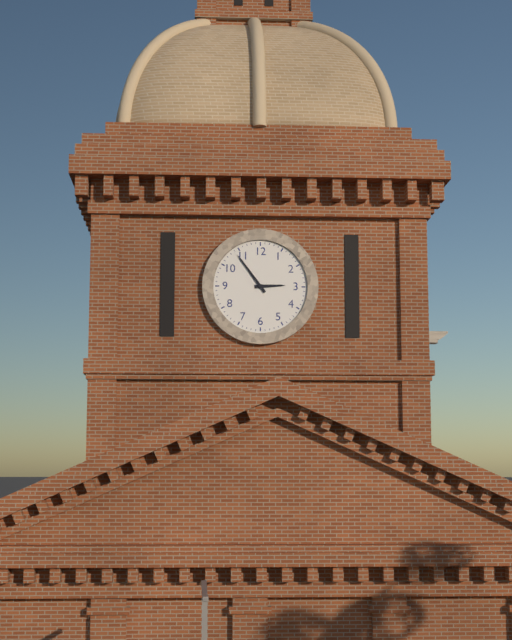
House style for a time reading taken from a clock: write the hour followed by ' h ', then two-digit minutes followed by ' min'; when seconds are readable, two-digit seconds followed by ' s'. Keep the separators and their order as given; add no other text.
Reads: 2 h 54 min
